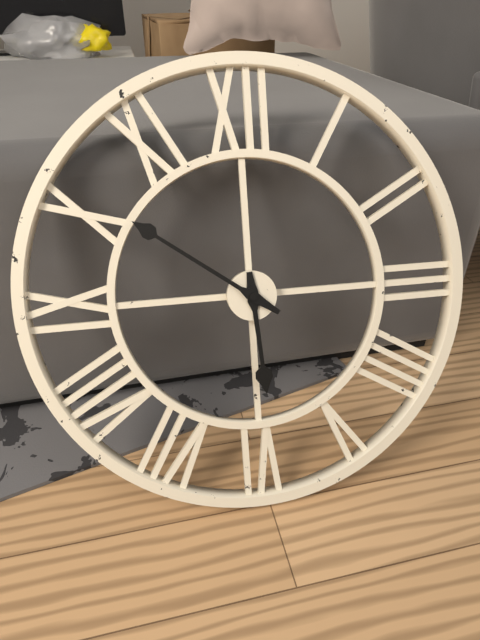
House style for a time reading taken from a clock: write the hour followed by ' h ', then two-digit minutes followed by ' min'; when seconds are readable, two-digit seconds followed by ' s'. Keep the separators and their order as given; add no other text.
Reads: 5 h 51 min
